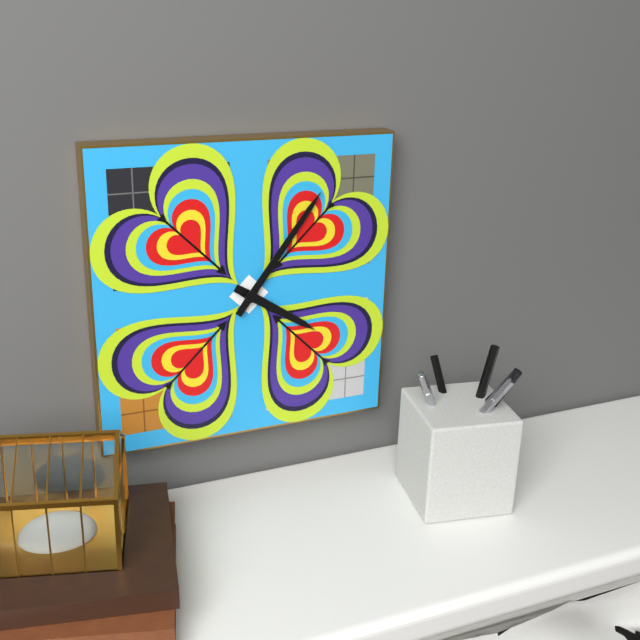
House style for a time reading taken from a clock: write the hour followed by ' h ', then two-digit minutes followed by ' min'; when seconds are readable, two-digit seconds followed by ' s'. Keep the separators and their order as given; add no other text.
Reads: 4 h 06 min
